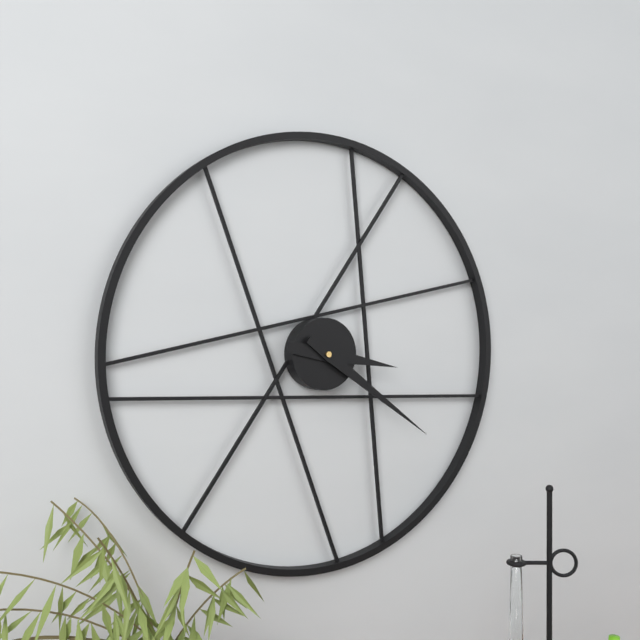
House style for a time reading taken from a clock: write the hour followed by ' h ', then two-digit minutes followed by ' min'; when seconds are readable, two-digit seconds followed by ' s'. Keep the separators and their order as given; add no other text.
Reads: 3 h 21 min
